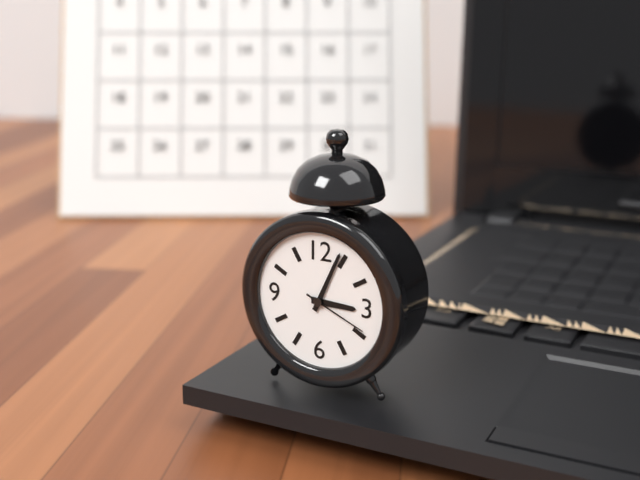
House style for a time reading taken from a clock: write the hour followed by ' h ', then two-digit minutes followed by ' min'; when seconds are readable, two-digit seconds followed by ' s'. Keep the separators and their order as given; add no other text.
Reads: 3 h 04 min 19 s
